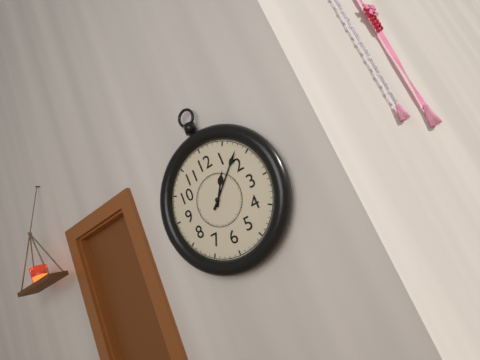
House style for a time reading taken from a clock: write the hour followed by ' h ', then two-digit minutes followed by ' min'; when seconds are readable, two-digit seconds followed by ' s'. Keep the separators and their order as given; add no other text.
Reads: 1 h 08 min
